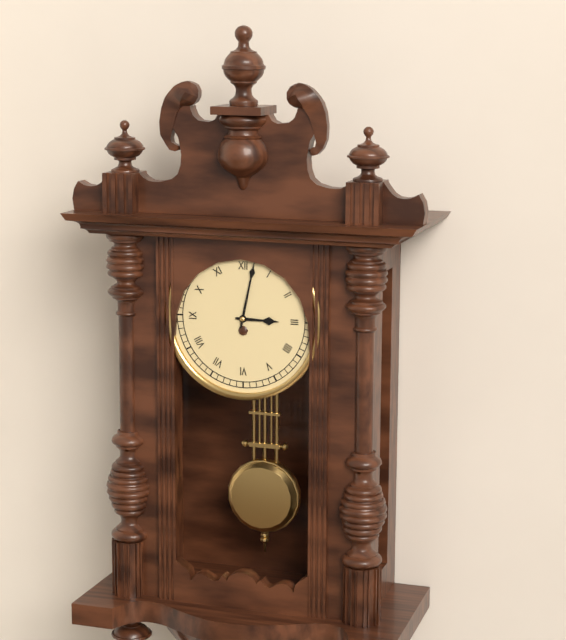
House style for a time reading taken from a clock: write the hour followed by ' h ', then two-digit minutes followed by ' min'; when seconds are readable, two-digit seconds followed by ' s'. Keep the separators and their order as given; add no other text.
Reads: 3 h 02 min
